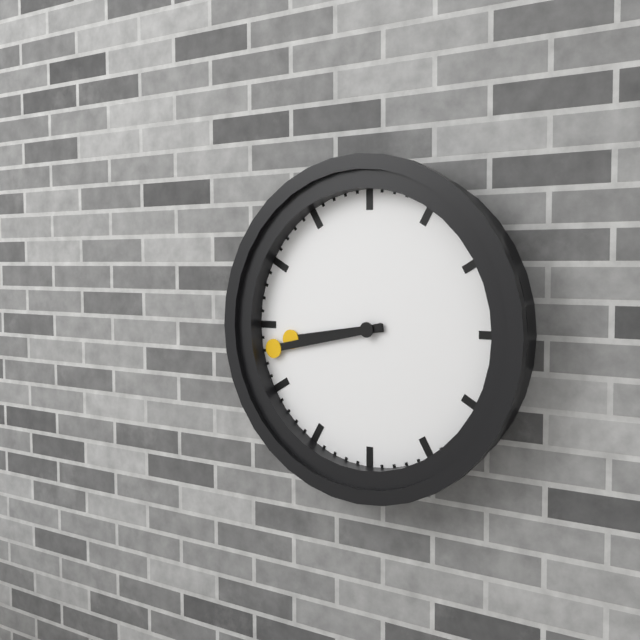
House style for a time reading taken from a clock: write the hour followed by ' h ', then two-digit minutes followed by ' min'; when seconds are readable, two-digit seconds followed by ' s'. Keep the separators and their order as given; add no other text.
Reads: 8 h 43 min
